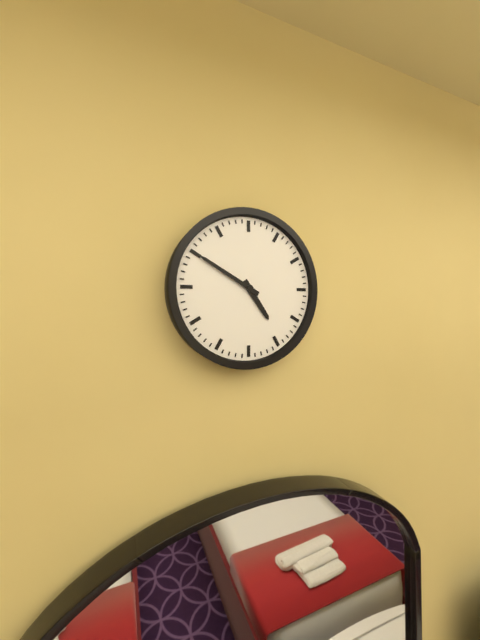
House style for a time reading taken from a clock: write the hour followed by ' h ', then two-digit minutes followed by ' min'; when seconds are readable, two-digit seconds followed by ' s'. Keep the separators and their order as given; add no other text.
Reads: 4 h 50 min
